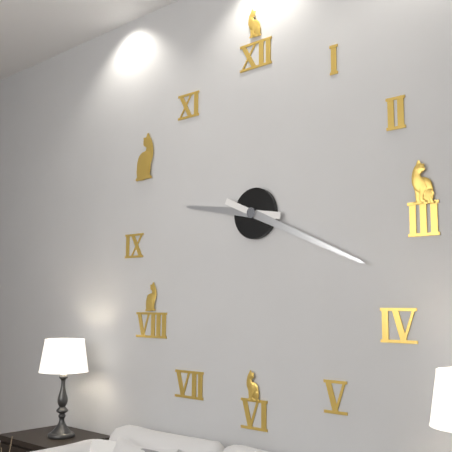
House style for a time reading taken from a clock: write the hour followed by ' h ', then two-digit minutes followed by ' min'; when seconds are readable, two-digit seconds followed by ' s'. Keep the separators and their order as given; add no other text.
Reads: 9 h 19 min
